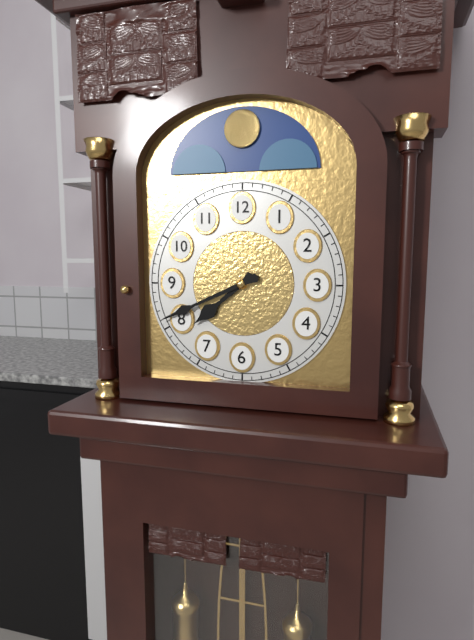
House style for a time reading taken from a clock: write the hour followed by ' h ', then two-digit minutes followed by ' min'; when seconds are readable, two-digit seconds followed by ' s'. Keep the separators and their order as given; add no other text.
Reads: 7 h 41 min
